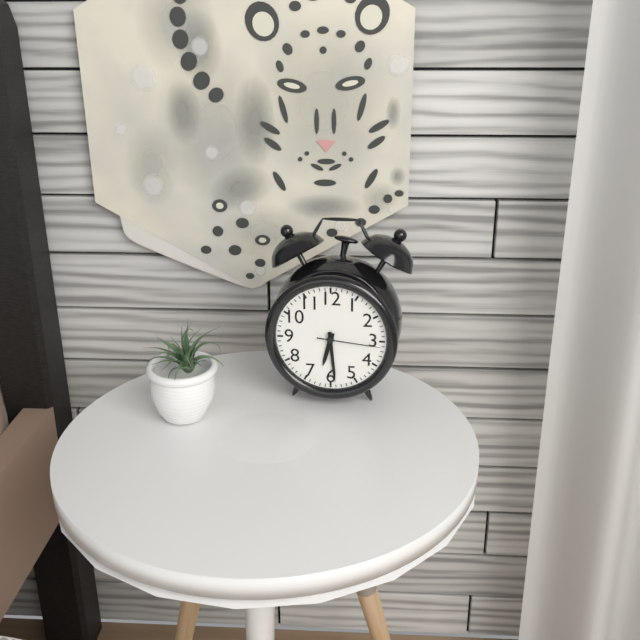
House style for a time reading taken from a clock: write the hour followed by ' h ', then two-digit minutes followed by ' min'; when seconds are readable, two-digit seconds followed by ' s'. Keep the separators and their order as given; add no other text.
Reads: 6 h 29 min 16 s
